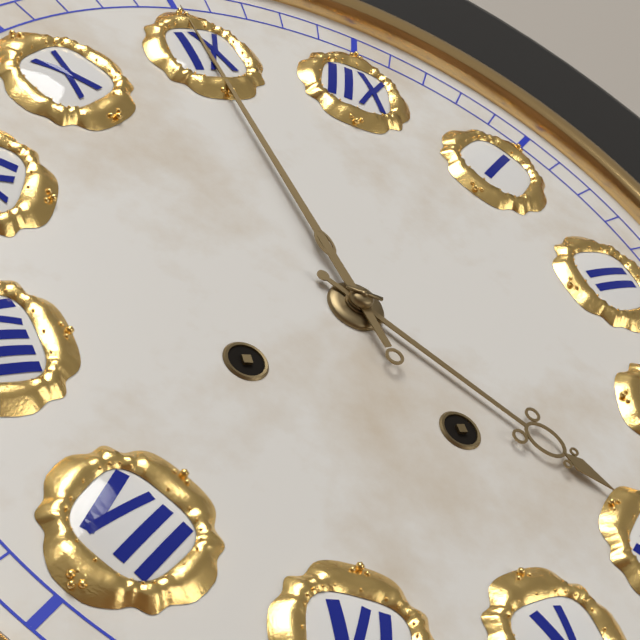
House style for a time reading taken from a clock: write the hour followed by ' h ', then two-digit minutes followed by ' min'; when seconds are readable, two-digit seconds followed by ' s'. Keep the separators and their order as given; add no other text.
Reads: 3 h 55 min
